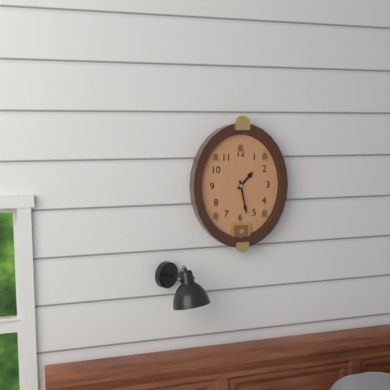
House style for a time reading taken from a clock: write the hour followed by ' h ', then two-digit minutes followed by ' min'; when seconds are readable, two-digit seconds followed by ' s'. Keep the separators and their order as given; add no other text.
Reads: 1 h 28 min
